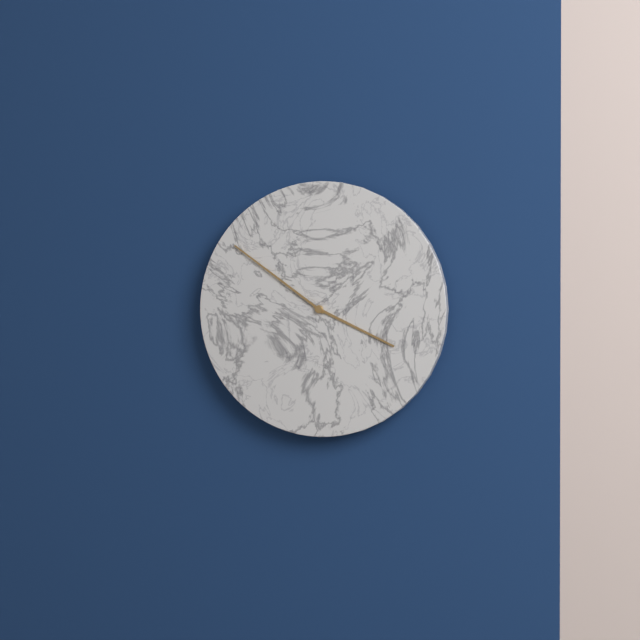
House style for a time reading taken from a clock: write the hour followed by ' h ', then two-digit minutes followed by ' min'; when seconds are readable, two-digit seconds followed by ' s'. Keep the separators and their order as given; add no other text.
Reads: 3 h 51 min
